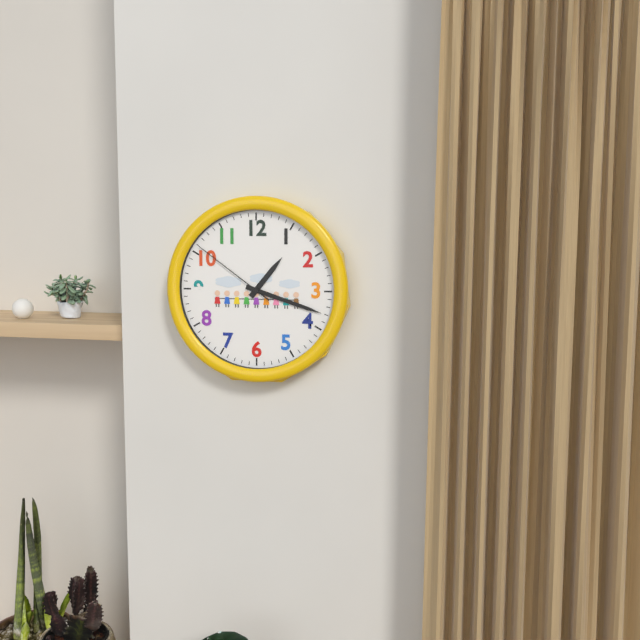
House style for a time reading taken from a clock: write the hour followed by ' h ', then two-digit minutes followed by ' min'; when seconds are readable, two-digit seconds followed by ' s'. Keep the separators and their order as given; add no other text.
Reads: 1 h 18 min 51 s
